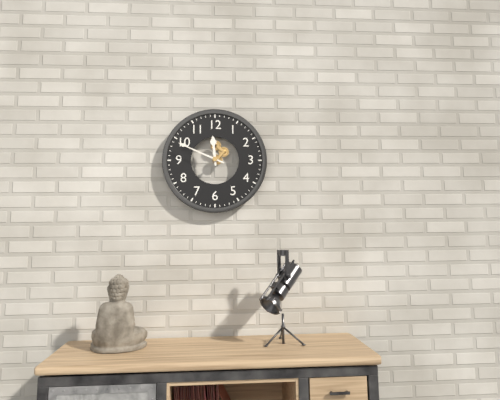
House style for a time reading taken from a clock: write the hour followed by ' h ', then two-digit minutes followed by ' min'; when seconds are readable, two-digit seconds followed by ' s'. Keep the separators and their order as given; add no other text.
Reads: 11 h 49 min
